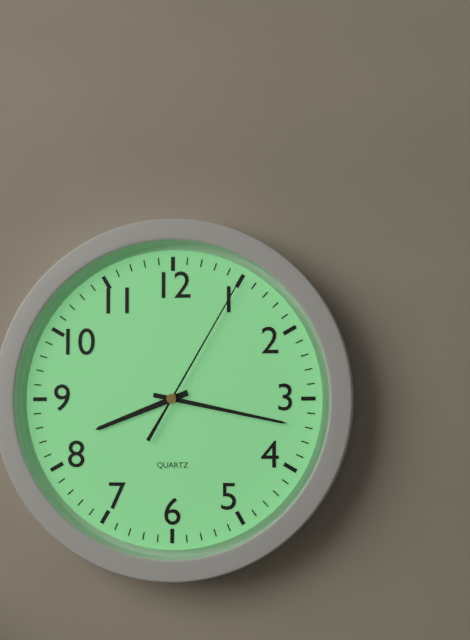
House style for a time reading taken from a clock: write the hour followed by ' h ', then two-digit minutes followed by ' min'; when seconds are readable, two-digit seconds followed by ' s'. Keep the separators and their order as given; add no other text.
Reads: 8 h 17 min 05 s
